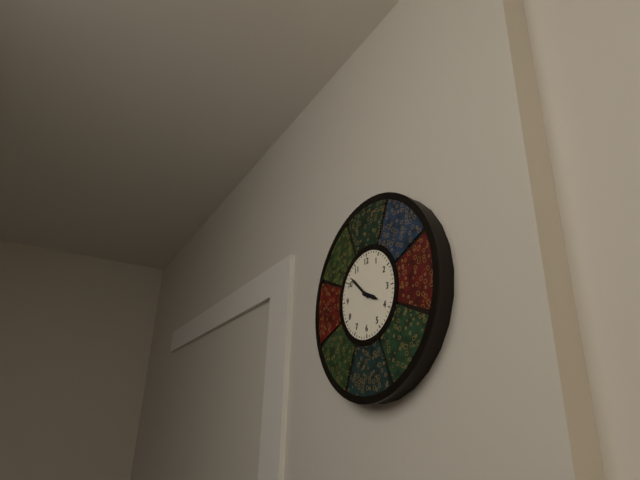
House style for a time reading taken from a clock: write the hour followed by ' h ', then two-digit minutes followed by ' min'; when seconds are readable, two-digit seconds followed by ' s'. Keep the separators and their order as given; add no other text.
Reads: 3 h 52 min
